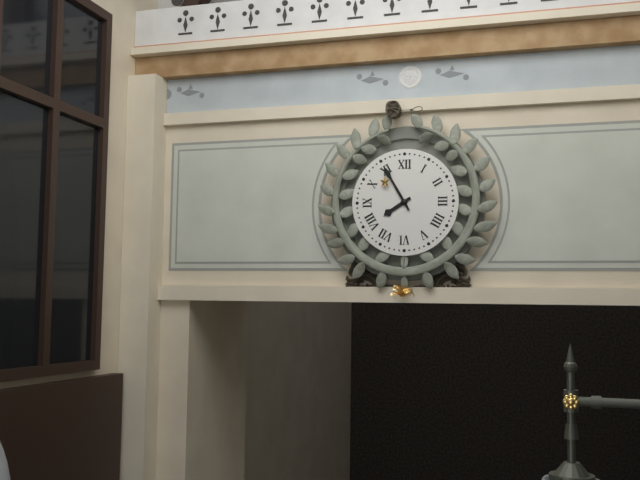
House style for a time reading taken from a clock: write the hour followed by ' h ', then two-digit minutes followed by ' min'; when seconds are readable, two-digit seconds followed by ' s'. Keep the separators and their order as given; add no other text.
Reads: 7 h 55 min
